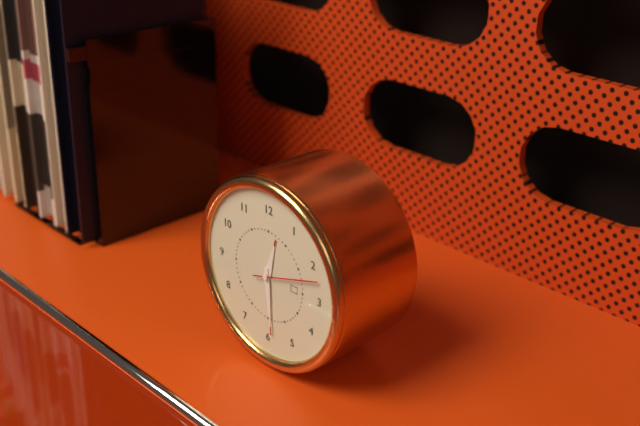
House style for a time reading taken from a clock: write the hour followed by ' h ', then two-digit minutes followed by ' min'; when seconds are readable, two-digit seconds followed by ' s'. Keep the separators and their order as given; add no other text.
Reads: 12 h 29 min 12 s
